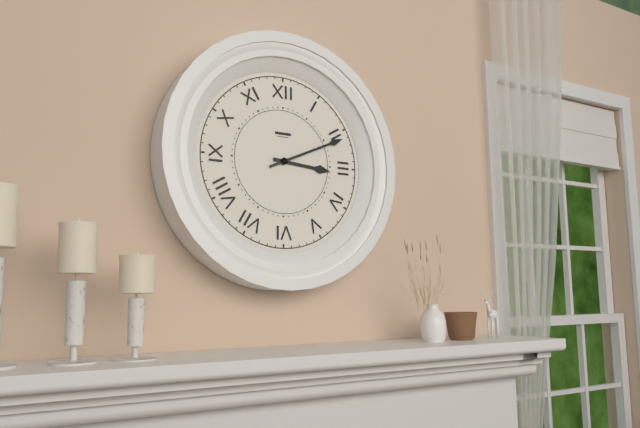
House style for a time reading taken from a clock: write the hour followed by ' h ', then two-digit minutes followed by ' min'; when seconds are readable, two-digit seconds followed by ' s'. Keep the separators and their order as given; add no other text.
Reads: 3 h 11 min
